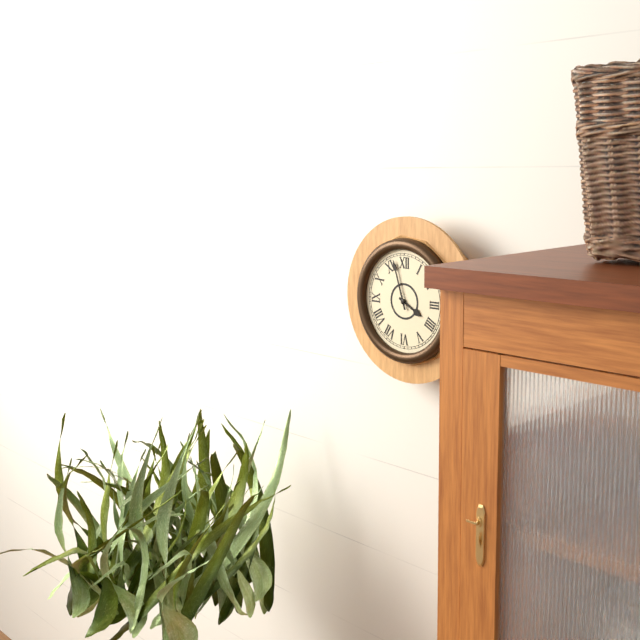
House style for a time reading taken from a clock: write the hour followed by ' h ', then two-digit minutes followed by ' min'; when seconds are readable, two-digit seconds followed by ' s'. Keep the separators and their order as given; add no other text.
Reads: 3 h 57 min
